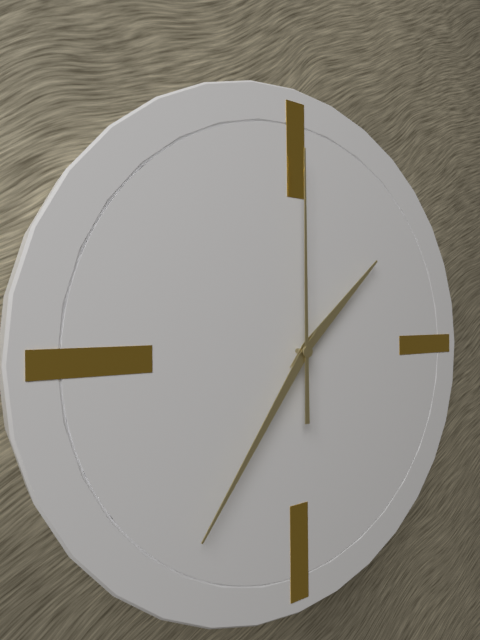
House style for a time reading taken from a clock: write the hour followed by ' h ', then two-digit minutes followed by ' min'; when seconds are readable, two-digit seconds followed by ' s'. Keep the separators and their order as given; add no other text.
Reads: 1 h 36 min 00 s
